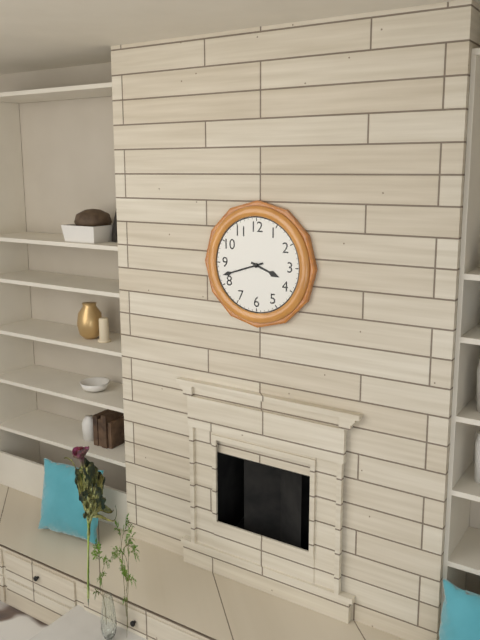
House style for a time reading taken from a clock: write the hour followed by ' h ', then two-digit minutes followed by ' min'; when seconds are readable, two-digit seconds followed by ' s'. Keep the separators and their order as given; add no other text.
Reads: 3 h 42 min
